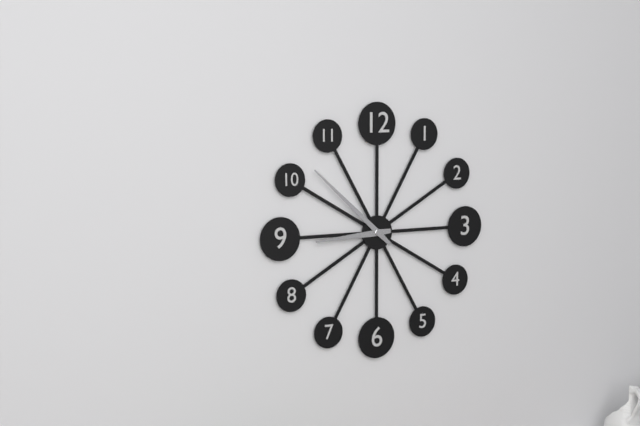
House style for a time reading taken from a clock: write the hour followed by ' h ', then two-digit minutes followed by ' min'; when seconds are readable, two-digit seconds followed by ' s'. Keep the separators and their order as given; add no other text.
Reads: 8 h 52 min
